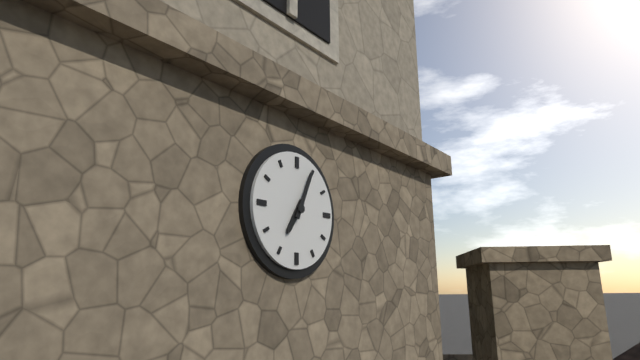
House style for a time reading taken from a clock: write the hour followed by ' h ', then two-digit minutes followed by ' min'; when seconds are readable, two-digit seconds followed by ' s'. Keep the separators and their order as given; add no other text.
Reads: 7 h 04 min
